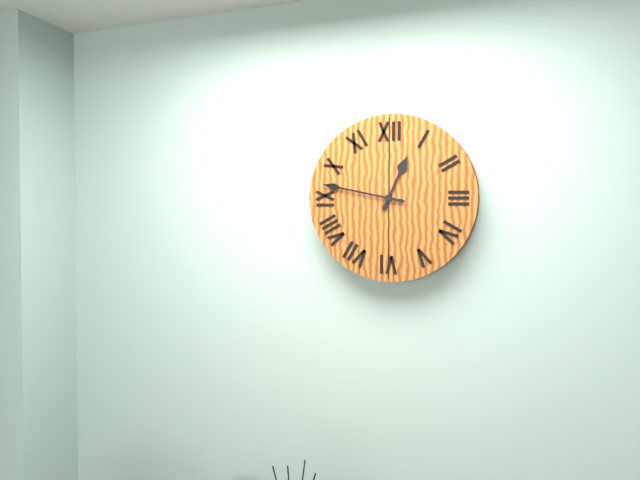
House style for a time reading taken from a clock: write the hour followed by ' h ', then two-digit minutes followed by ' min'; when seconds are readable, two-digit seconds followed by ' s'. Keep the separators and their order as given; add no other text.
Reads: 12 h 47 min
